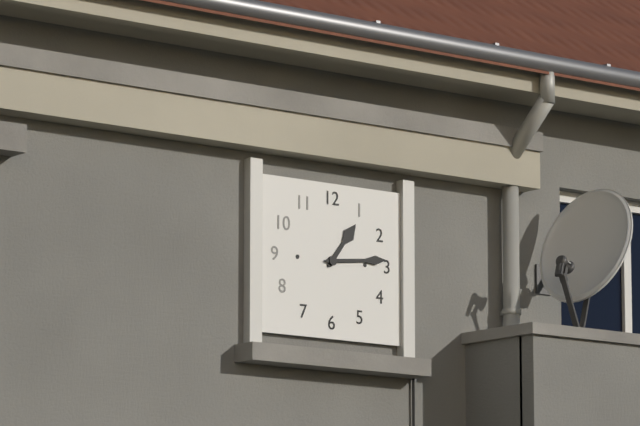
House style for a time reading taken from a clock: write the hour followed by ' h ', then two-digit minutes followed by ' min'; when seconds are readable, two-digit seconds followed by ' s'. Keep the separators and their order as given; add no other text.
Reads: 1 h 14 min
